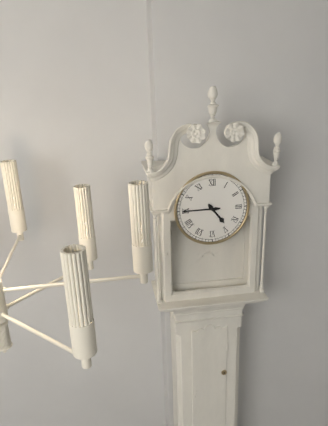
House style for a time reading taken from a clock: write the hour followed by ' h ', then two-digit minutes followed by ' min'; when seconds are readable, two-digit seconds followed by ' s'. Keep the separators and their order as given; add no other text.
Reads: 4 h 45 min
